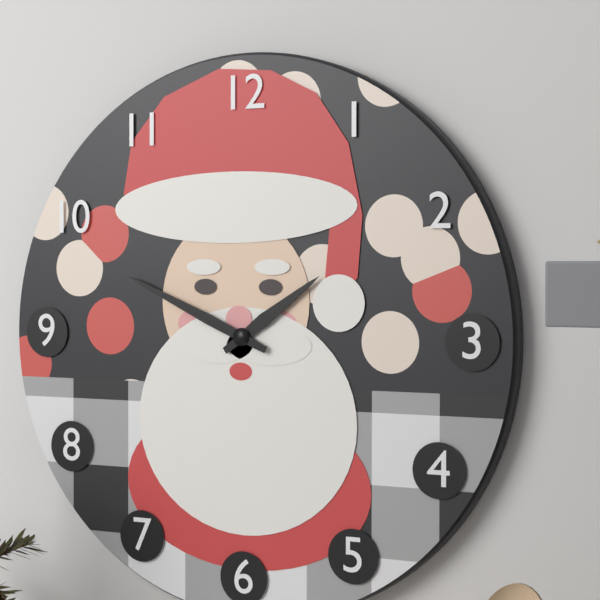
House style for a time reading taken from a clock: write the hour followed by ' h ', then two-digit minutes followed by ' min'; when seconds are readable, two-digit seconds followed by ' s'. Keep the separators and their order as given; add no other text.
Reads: 1 h 49 min
